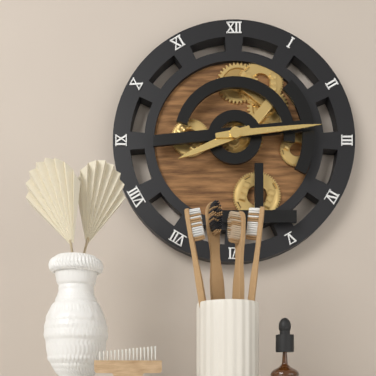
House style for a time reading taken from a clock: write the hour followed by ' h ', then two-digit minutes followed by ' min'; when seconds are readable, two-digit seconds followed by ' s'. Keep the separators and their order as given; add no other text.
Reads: 8 h 14 min
